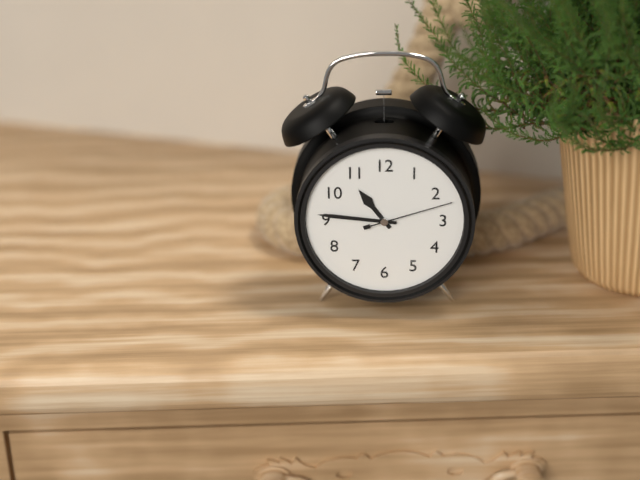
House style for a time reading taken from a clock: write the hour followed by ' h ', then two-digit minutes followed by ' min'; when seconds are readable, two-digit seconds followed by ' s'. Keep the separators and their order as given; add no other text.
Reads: 10 h 46 min 12 s
